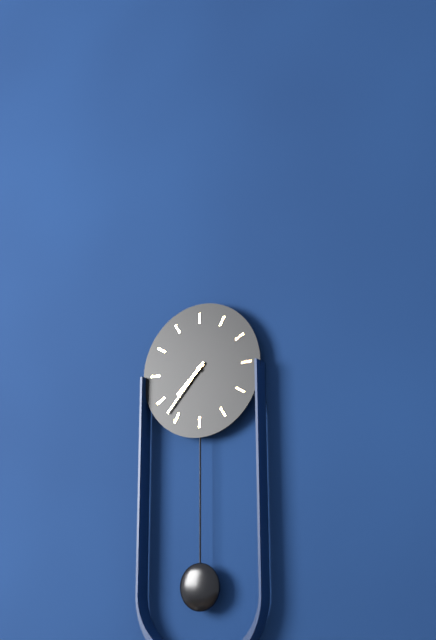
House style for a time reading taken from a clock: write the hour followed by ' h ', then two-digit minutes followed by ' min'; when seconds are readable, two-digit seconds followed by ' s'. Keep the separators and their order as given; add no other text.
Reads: 7 h 37 min
